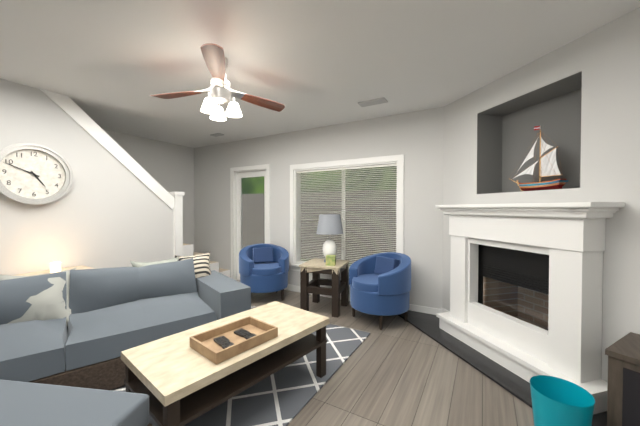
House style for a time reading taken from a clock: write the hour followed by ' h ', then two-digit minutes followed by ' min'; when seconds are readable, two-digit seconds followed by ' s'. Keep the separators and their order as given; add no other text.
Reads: 4 h 49 min
